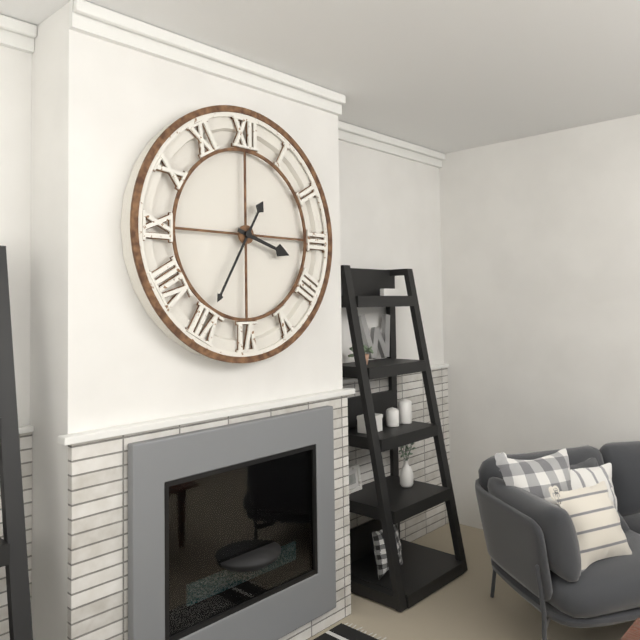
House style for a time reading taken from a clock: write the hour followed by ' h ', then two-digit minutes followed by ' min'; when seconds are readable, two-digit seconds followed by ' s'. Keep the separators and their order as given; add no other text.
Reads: 3 h 35 min
